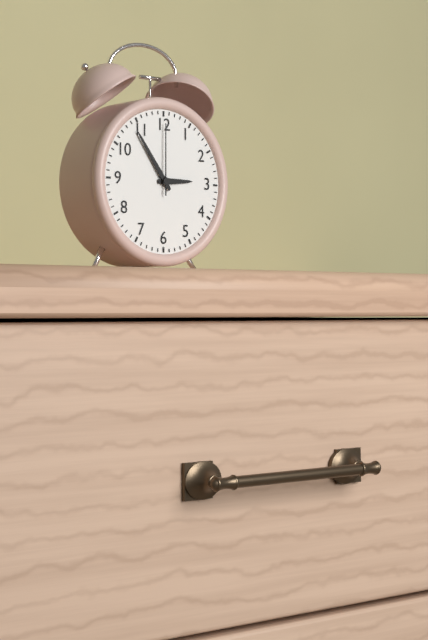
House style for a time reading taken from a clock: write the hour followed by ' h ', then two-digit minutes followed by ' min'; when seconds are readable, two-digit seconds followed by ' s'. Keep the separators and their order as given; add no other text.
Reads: 2 h 54 min 00 s
